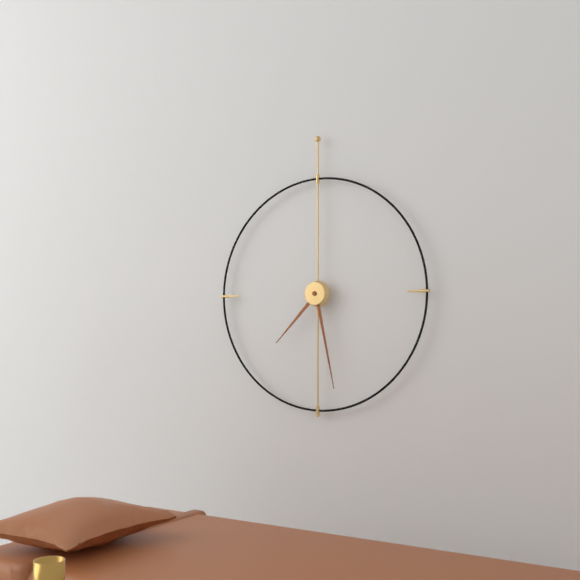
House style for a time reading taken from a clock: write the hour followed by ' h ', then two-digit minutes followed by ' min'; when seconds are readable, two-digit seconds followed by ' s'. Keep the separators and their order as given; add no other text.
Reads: 7 h 28 min
